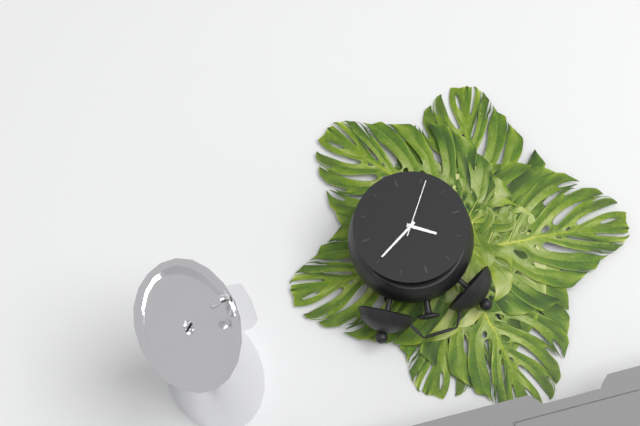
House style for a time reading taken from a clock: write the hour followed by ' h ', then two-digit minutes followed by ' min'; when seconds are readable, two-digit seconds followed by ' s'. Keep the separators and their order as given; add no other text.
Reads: 10 h 10 min 36 s
